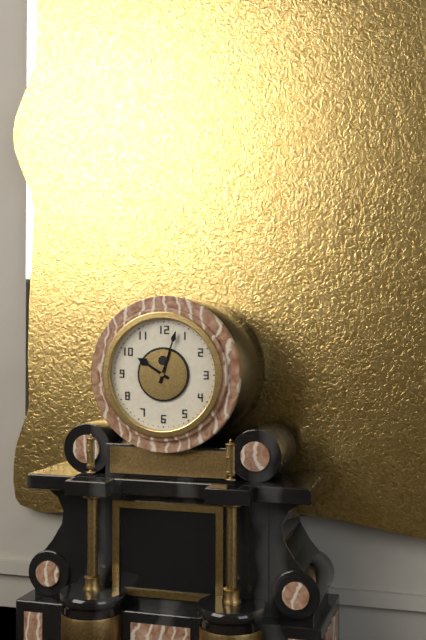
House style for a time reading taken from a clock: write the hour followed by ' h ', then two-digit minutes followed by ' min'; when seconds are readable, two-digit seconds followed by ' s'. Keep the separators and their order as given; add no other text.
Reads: 10 h 03 min
